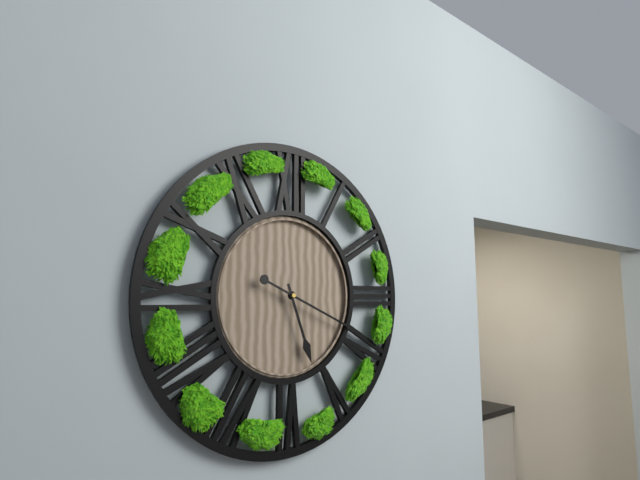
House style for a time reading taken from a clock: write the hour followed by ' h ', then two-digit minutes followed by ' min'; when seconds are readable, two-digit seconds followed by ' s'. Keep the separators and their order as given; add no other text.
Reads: 5 h 19 min
